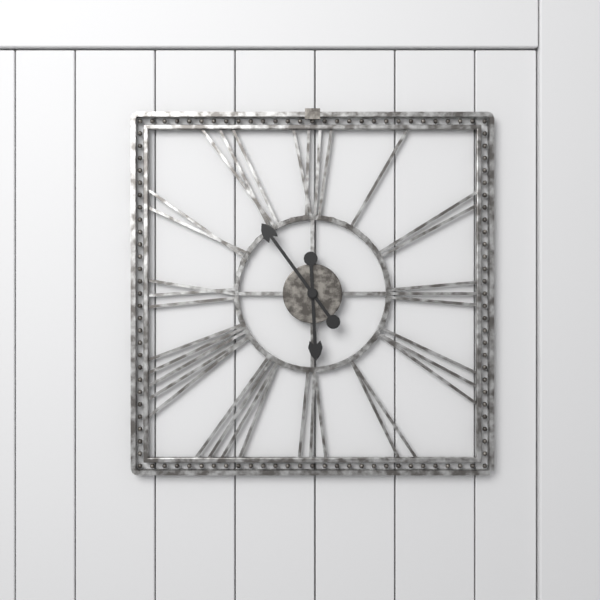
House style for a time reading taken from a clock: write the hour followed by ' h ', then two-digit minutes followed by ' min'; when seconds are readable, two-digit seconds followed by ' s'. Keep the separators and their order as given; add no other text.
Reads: 5 h 54 min
